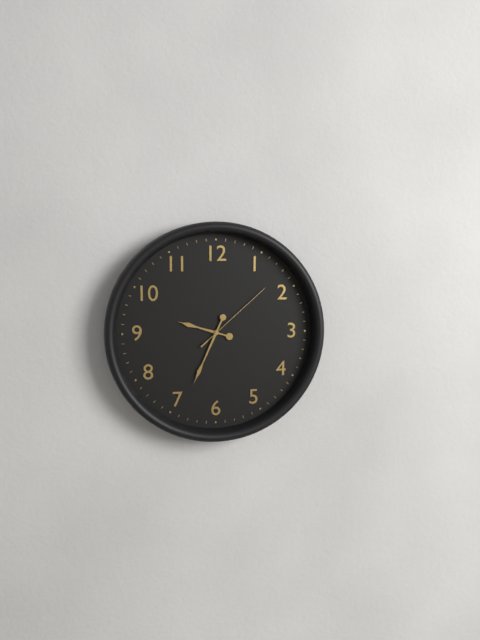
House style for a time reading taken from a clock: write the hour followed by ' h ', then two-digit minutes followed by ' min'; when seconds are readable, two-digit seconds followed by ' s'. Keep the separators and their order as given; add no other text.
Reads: 9 h 34 min 08 s
